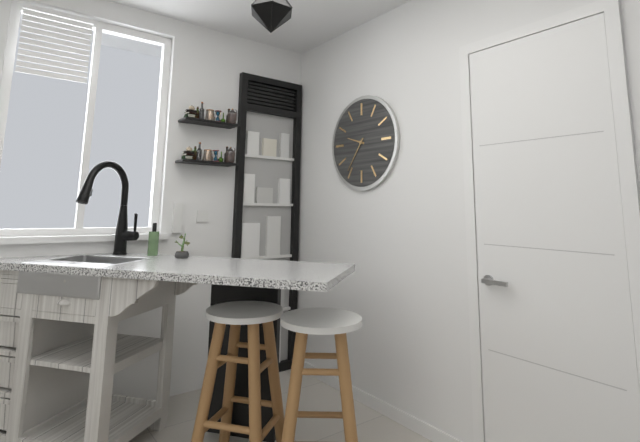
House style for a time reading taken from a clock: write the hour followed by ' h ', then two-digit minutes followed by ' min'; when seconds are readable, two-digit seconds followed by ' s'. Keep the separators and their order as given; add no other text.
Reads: 9 h 36 min
